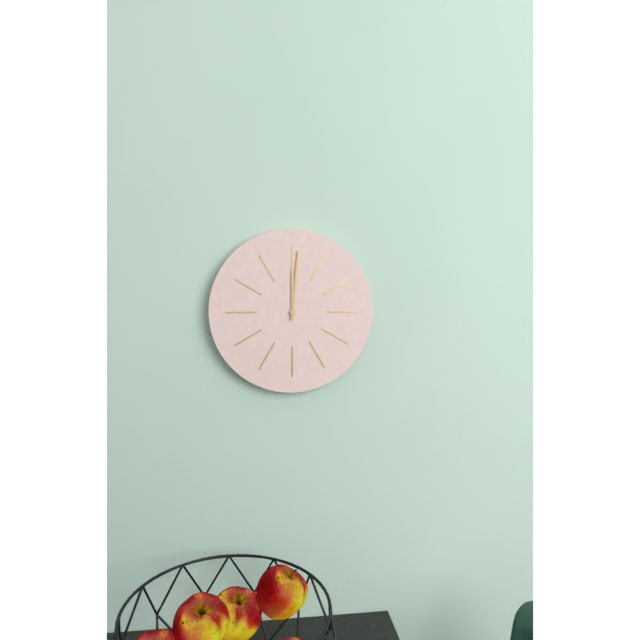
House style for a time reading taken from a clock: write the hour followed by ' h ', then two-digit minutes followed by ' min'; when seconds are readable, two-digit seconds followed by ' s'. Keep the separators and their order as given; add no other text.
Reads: 12 h 01 min
